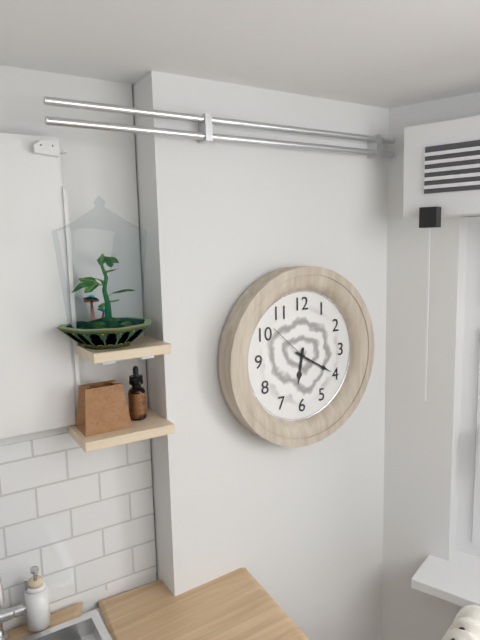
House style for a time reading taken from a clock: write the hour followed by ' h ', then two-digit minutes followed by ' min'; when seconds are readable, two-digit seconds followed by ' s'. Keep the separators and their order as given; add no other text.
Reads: 6 h 20 min 52 s
